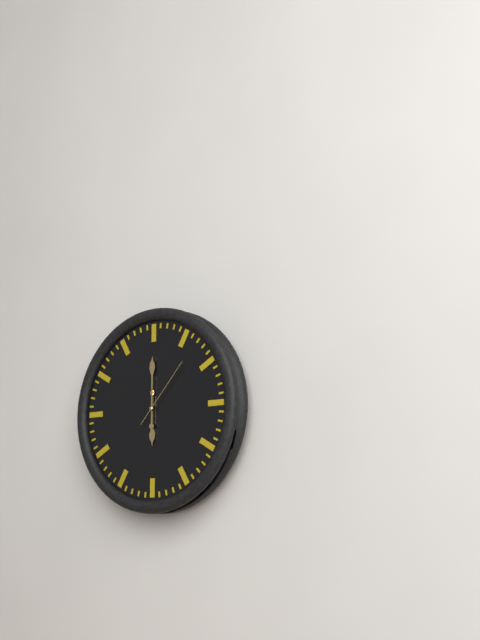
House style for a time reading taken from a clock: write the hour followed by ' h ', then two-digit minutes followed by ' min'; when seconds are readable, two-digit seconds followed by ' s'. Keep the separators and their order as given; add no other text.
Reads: 6 h 00 min 07 s
